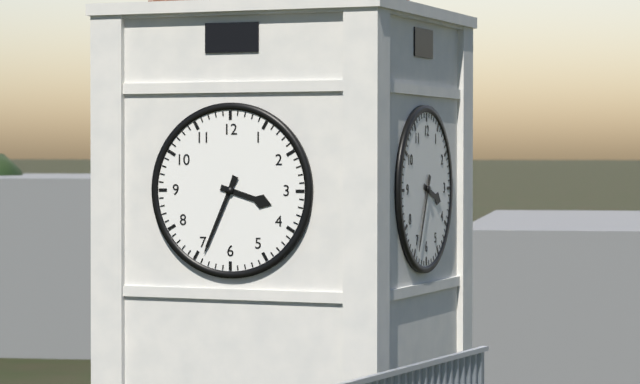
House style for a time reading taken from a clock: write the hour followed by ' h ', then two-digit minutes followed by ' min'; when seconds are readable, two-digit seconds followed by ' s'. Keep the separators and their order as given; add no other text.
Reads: 3 h 34 min
